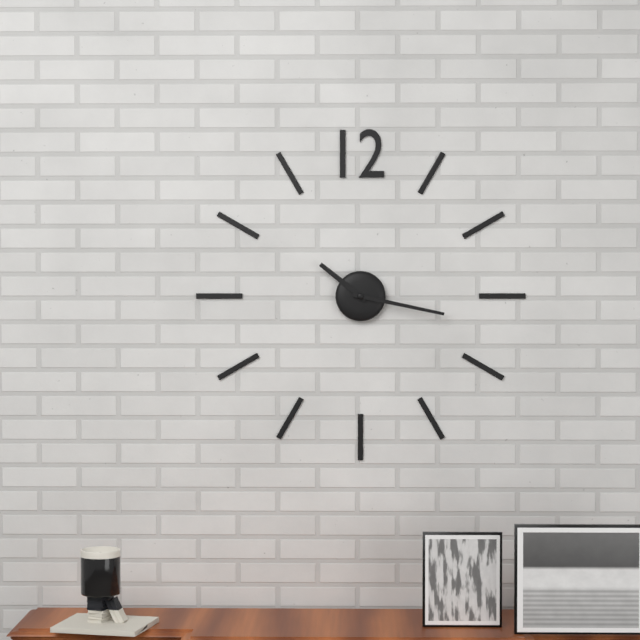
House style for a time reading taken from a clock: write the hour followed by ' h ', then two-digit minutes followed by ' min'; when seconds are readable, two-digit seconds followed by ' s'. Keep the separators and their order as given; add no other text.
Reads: 10 h 17 min
